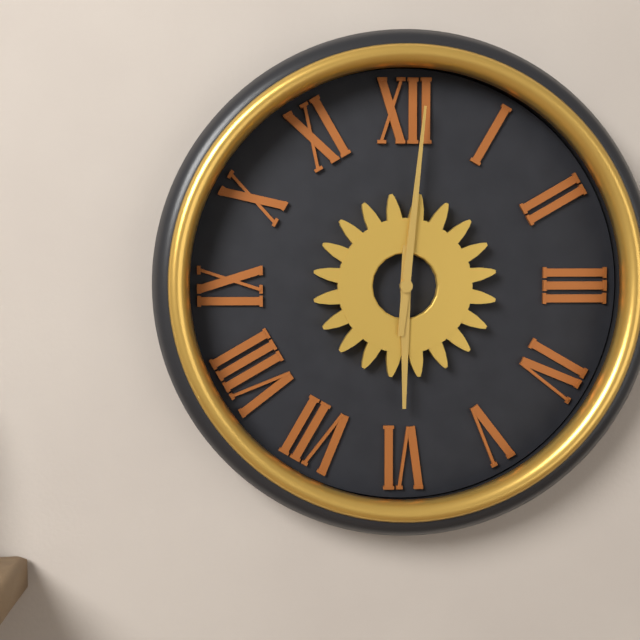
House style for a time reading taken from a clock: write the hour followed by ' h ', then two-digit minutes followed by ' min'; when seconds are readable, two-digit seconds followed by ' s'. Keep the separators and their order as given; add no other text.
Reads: 6 h 01 min
